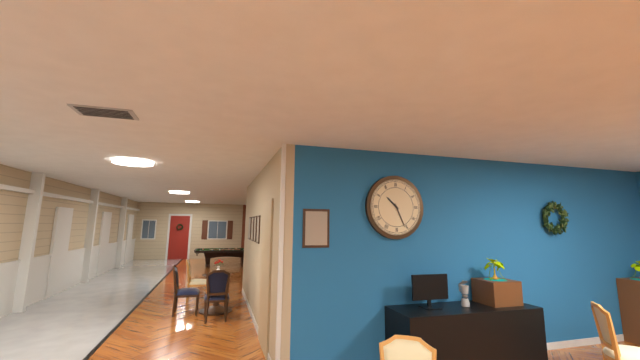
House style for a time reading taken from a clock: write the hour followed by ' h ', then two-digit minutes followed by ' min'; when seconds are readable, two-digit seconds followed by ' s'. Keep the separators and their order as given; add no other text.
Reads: 10 h 26 min
